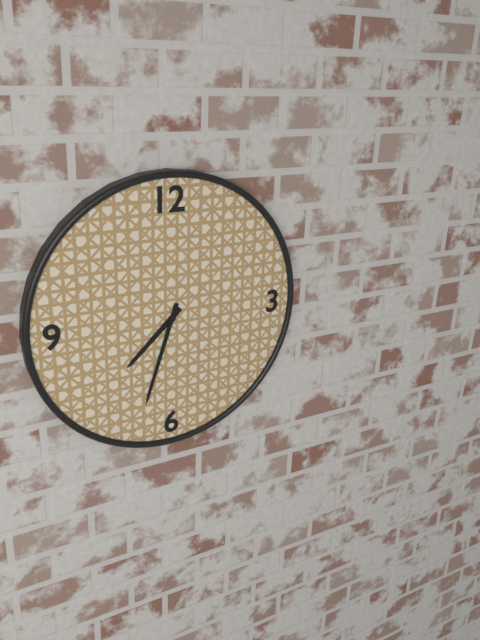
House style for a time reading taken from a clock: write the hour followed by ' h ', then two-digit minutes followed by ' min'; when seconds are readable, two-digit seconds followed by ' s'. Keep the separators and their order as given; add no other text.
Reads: 7 h 33 min
